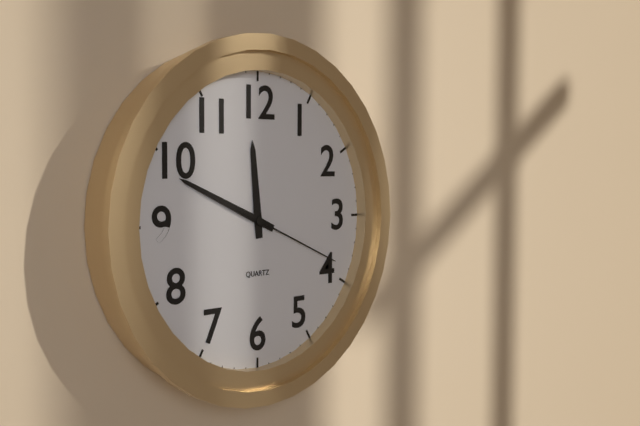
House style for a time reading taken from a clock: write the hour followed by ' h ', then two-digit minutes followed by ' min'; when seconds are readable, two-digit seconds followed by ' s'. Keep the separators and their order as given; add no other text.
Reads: 11 h 49 min 19 s
